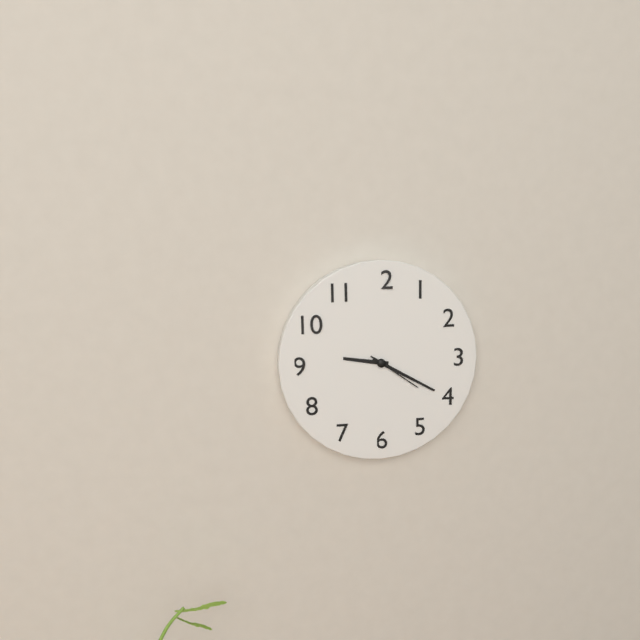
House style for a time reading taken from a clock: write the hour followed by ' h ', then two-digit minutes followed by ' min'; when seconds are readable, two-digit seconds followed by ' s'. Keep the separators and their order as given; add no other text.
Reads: 9 h 20 min 21 s
